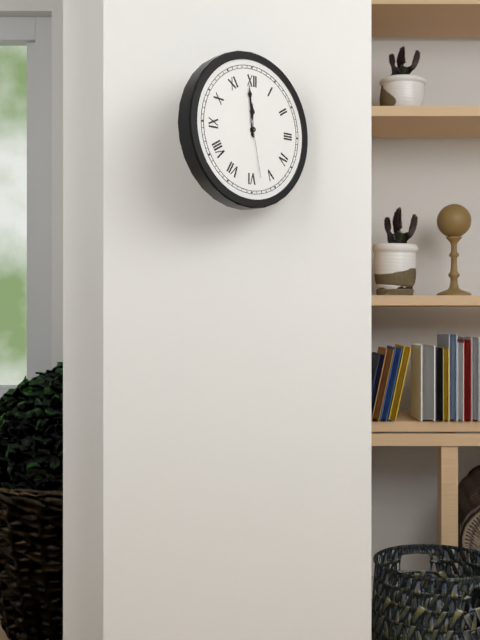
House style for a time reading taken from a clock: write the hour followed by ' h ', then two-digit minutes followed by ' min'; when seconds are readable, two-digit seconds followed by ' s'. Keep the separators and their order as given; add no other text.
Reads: 11 h 59 min 28 s
